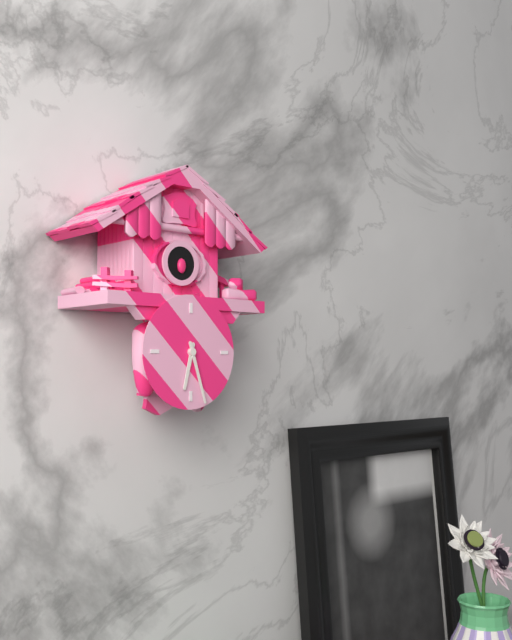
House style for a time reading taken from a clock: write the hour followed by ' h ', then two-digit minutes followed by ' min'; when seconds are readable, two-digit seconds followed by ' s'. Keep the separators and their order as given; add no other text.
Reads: 6 h 27 min
